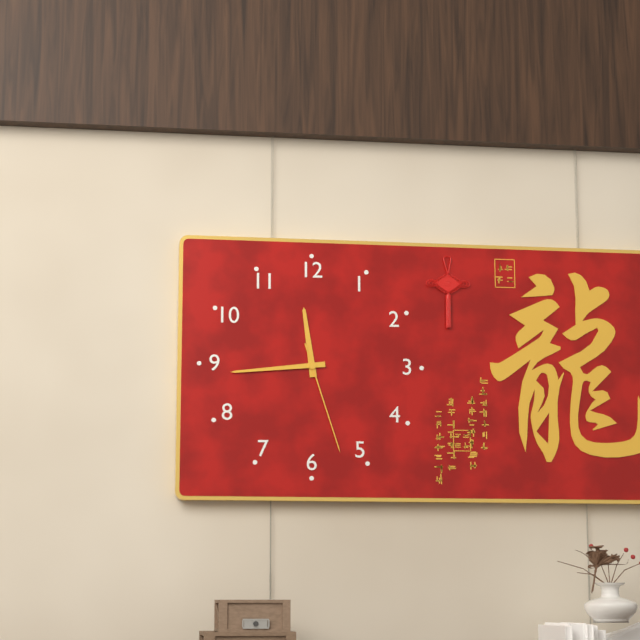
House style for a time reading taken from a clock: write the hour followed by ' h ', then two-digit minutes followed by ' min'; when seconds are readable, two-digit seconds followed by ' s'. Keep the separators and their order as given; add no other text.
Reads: 11 h 44 min 27 s
